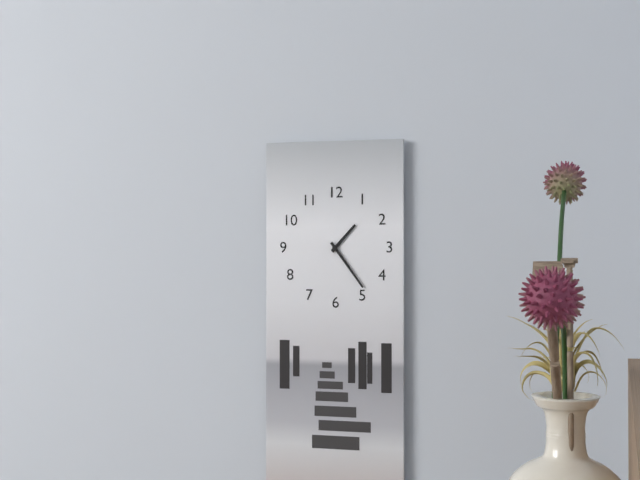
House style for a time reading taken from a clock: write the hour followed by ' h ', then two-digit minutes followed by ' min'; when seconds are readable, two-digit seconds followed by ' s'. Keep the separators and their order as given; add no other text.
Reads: 1 h 24 min
